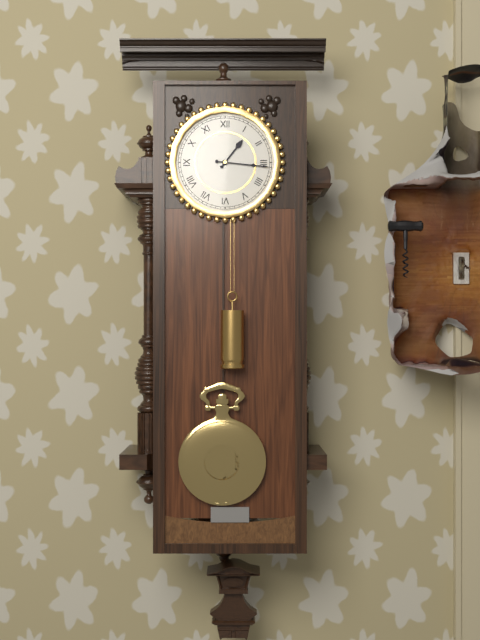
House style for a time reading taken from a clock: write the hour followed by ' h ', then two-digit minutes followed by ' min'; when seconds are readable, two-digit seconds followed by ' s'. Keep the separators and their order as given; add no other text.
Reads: 1 h 16 min
